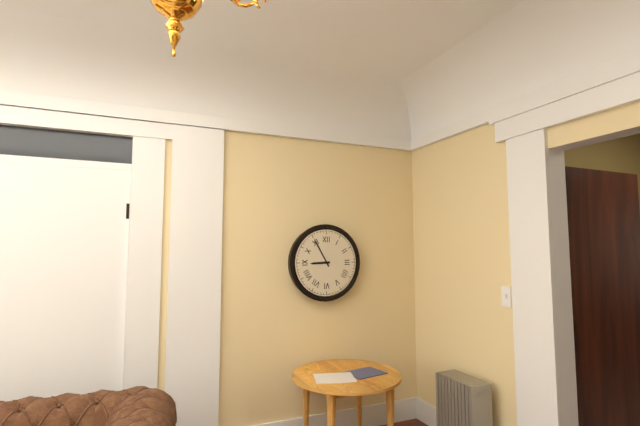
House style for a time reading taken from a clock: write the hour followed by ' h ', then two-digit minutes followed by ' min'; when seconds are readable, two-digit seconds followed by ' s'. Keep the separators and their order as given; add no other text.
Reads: 8 h 55 min
